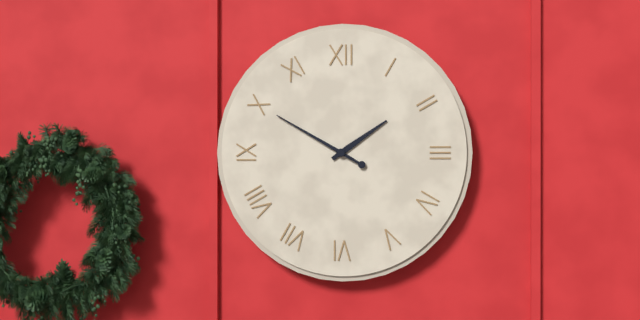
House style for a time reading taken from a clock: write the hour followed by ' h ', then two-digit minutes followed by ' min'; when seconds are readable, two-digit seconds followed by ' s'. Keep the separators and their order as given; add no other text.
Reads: 1 h 50 min
